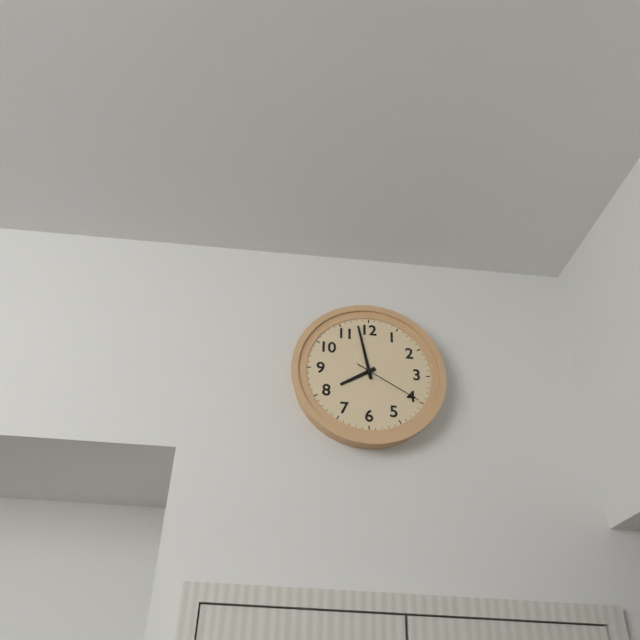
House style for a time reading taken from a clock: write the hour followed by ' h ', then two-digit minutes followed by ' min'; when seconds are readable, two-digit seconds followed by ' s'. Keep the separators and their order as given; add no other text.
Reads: 7 h 58 min 20 s
